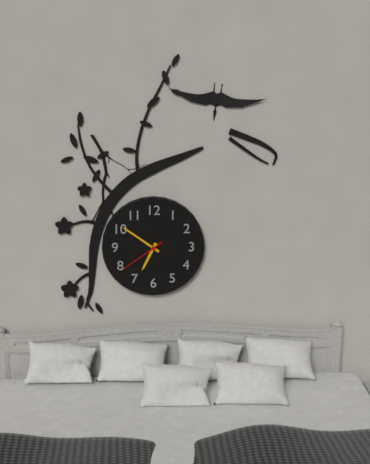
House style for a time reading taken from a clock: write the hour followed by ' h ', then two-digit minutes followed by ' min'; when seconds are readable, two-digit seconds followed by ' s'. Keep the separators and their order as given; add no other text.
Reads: 6 h 51 min
